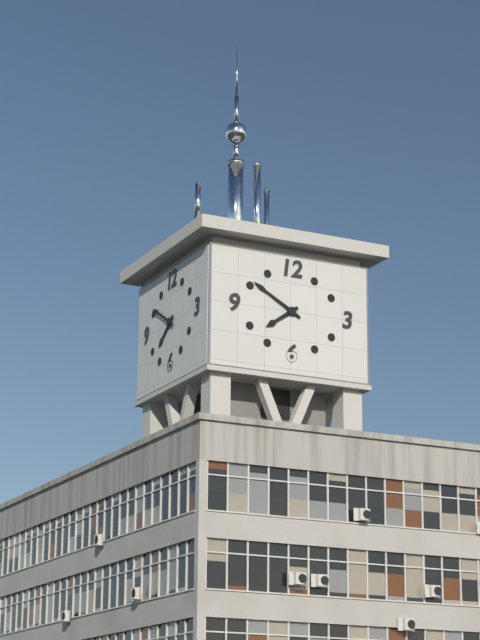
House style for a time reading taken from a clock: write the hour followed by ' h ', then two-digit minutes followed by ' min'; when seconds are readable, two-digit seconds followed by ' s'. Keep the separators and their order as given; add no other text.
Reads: 7 h 50 min
